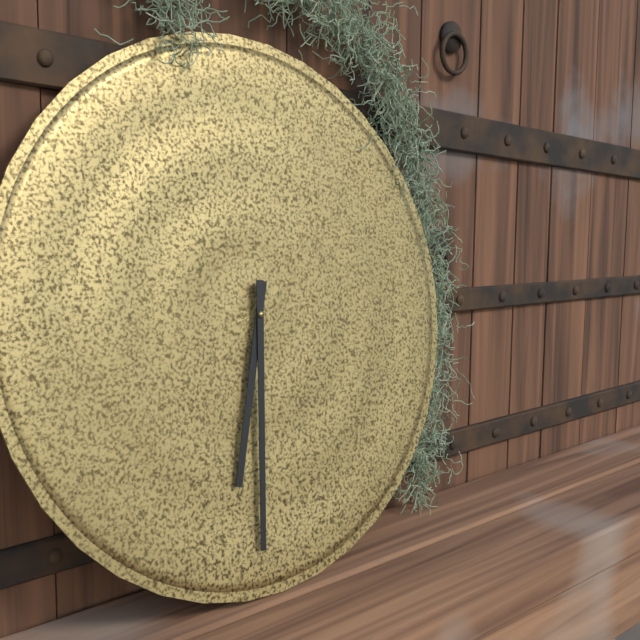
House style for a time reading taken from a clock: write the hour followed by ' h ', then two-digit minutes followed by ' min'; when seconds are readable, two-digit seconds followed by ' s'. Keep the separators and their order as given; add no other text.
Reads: 6 h 31 min
